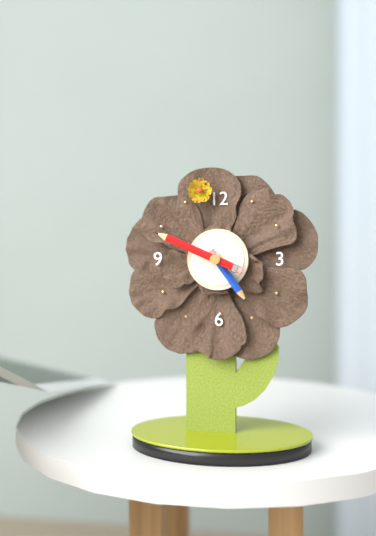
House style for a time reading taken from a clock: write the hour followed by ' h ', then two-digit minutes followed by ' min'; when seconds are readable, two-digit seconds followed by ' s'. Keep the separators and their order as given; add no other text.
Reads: 4 h 49 min
